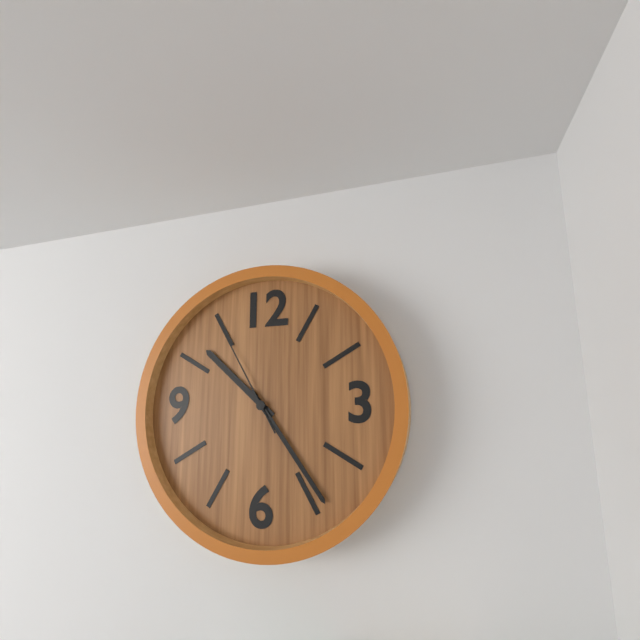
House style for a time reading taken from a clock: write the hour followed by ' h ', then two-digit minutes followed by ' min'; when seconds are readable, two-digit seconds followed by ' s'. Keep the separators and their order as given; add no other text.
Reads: 10 h 24 min 55 s
